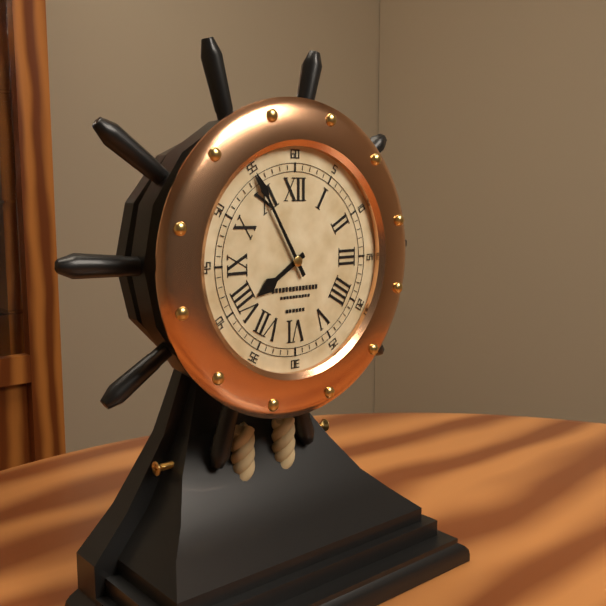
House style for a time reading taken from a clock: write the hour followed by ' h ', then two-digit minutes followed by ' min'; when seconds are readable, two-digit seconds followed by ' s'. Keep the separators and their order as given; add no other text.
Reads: 7 h 55 min
